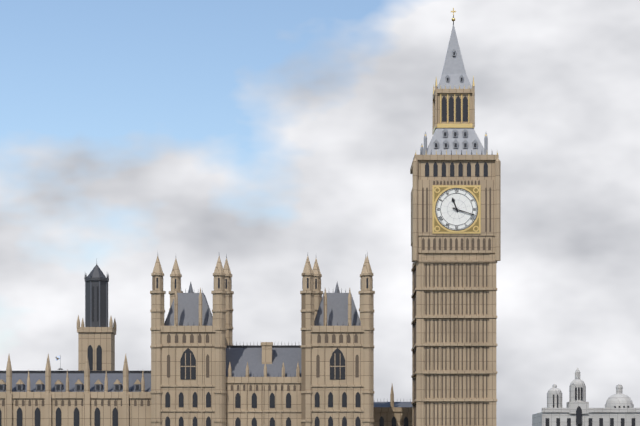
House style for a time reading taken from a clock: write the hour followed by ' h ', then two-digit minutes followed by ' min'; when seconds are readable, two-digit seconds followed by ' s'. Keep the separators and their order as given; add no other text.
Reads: 11 h 18 min
